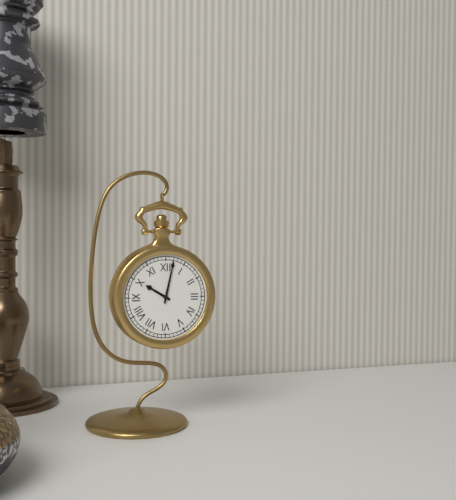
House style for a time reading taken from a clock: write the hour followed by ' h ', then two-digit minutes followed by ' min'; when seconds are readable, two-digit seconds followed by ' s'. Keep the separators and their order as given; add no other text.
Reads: 10 h 02 min
